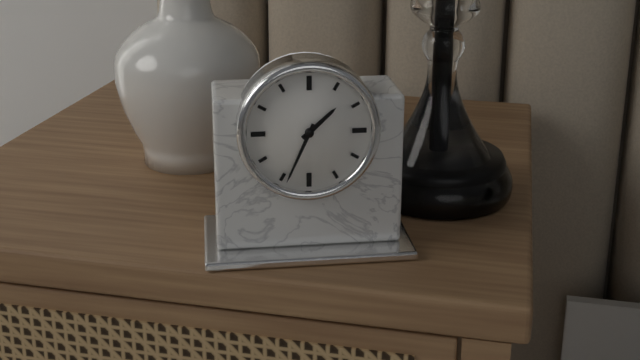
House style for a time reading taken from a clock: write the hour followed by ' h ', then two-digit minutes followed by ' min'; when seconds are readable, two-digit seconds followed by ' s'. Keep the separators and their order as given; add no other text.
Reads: 1 h 34 min
